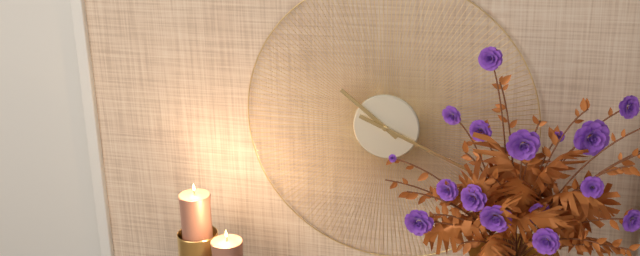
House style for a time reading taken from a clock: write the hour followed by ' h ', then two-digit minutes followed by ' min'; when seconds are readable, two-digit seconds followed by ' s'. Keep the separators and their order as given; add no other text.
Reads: 10 h 19 min
